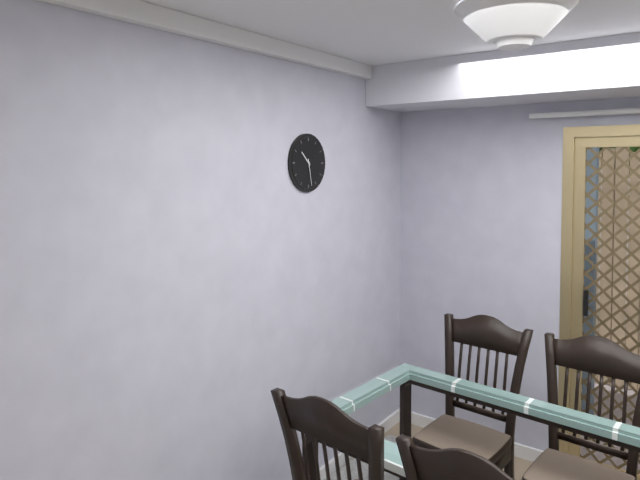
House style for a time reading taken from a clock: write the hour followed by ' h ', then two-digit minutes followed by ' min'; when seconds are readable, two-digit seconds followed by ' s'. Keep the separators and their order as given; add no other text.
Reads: 10 h 28 min
